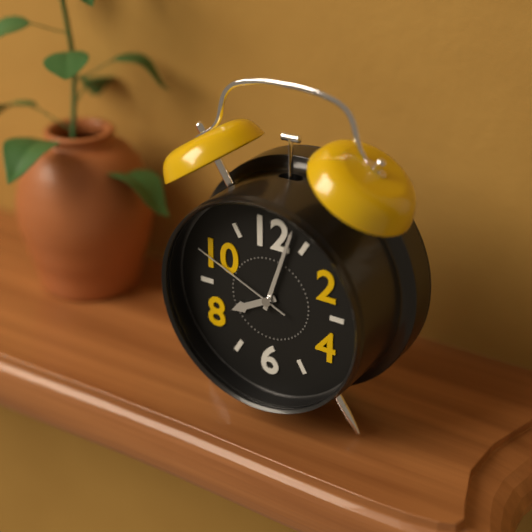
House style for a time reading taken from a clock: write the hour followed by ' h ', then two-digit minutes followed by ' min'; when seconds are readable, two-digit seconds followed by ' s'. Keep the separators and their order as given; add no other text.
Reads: 8 h 03 min 49 s
